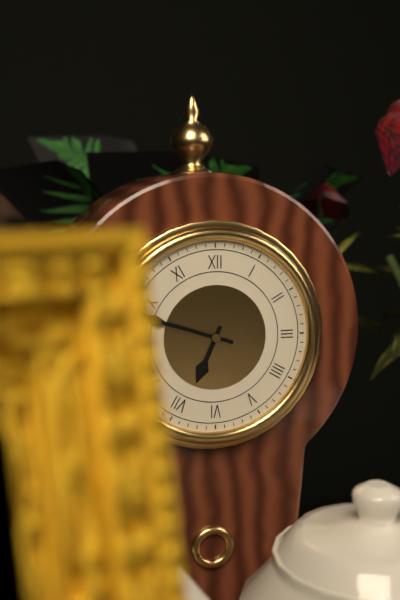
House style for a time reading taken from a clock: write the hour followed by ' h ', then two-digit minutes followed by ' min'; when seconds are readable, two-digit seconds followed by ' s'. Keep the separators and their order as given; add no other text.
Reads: 6 h 48 min
